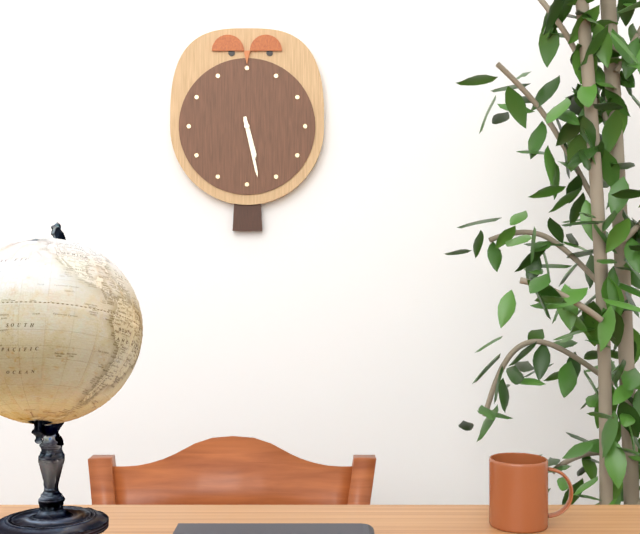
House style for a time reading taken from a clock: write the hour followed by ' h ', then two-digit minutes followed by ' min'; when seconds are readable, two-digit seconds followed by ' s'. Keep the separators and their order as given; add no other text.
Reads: 5 h 28 min
